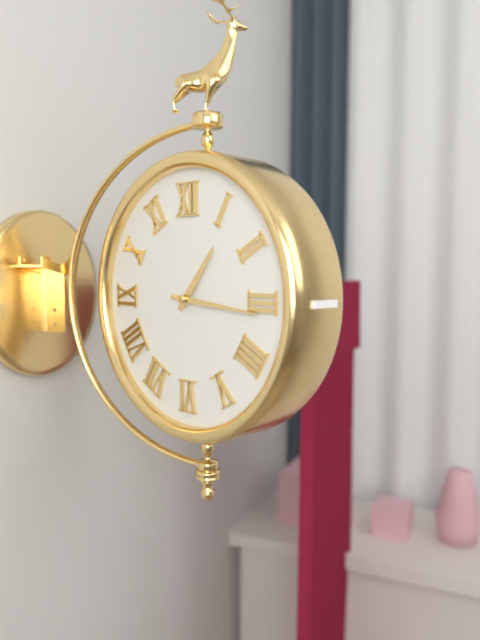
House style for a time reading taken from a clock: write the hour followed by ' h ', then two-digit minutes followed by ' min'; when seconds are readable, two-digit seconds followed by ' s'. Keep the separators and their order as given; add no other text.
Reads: 1 h 16 min
